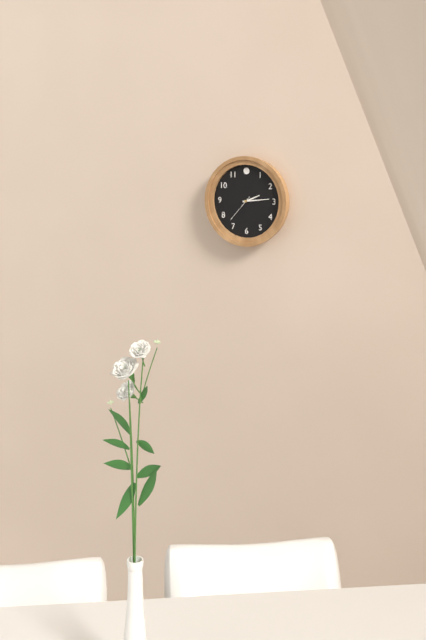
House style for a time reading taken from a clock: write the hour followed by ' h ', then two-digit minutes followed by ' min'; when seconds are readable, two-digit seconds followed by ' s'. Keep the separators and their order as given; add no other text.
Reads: 2 h 14 min
